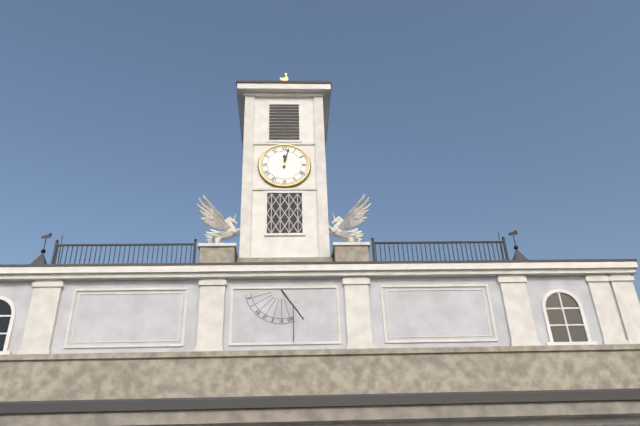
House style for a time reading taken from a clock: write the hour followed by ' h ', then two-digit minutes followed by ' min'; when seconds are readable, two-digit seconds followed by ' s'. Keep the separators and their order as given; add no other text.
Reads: 12 h 02 min
